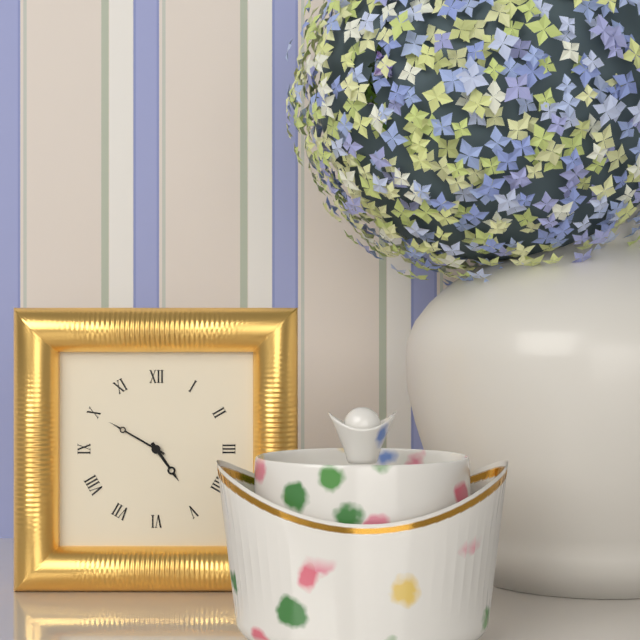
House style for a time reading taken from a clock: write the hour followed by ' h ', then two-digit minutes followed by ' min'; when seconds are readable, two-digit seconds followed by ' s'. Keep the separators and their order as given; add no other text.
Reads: 4 h 50 min
